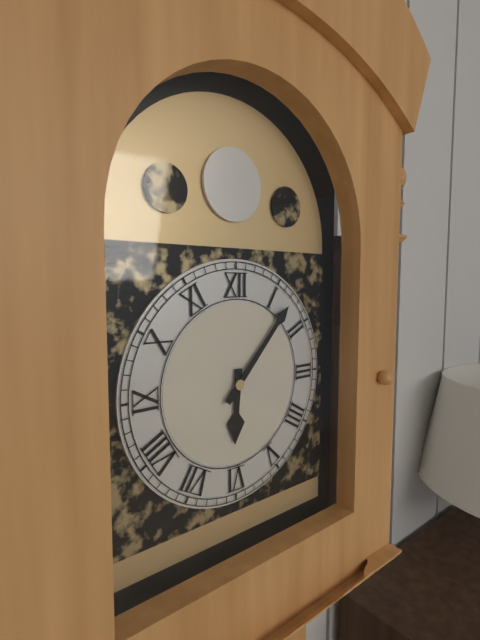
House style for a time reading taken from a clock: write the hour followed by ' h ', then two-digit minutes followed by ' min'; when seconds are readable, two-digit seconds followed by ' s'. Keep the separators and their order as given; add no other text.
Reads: 6 h 07 min
